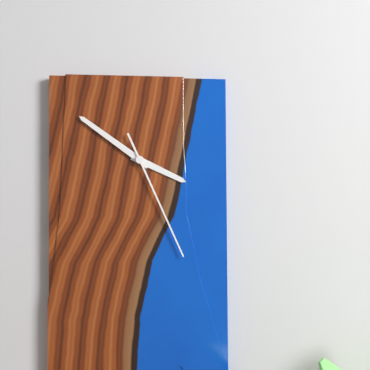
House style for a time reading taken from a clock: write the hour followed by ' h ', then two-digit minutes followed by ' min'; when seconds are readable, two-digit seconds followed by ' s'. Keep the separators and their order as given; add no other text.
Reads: 3 h 51 min 26 s
